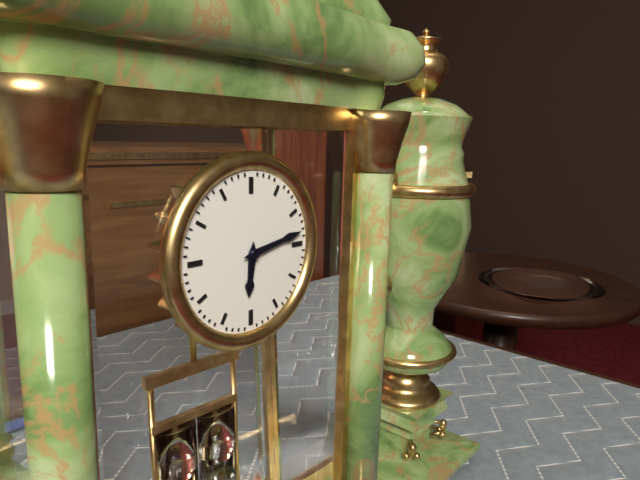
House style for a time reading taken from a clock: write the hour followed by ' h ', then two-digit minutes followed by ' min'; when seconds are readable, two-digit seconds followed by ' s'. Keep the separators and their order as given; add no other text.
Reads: 6 h 13 min
